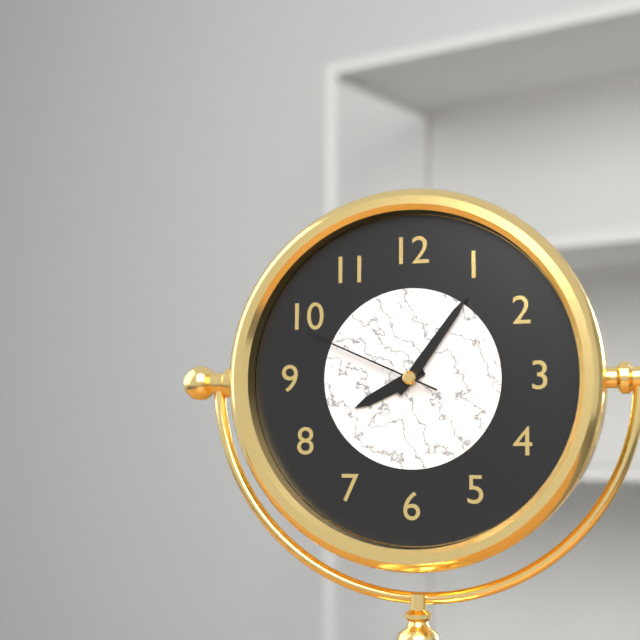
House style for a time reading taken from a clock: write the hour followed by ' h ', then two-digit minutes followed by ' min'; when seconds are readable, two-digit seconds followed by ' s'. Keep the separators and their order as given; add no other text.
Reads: 8 h 06 min 49 s
